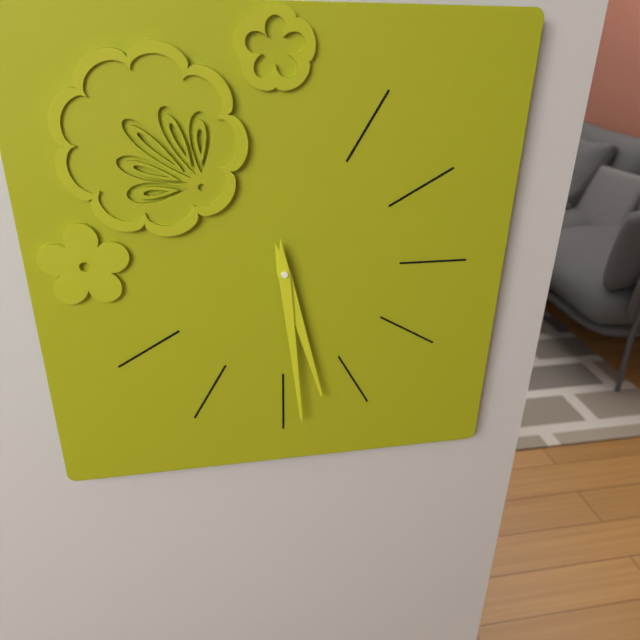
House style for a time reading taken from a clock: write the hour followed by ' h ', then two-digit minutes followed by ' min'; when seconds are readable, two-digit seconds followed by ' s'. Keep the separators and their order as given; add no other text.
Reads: 5 h 29 min
